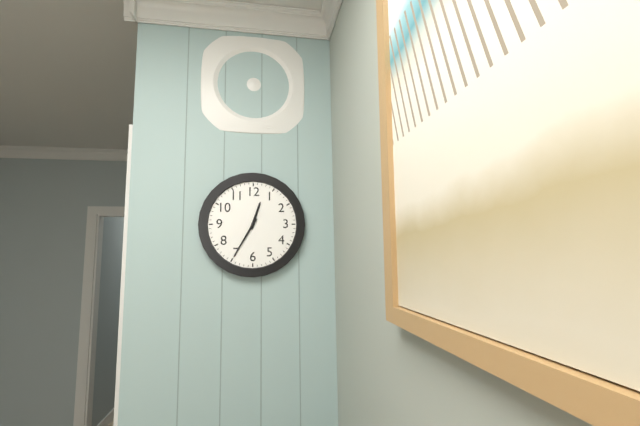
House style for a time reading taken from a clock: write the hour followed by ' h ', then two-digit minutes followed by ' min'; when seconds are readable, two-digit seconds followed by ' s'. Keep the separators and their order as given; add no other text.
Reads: 12 h 35 min
